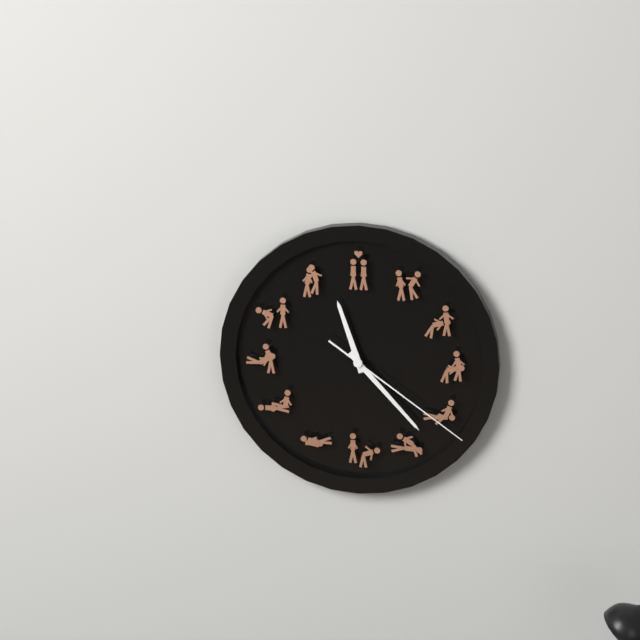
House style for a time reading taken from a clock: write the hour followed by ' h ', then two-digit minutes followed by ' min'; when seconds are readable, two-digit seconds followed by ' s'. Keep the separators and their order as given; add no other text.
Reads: 11 h 23 min 21 s
